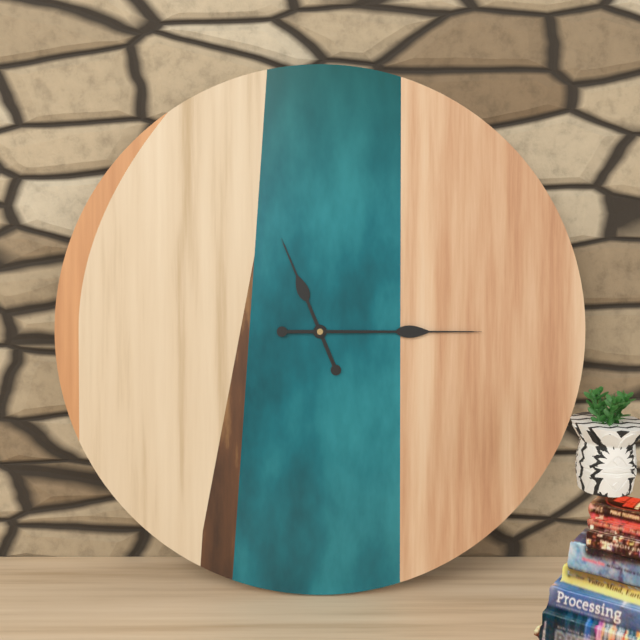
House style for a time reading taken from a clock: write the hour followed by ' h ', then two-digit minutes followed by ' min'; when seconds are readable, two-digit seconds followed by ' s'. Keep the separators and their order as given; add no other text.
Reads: 11 h 15 min
